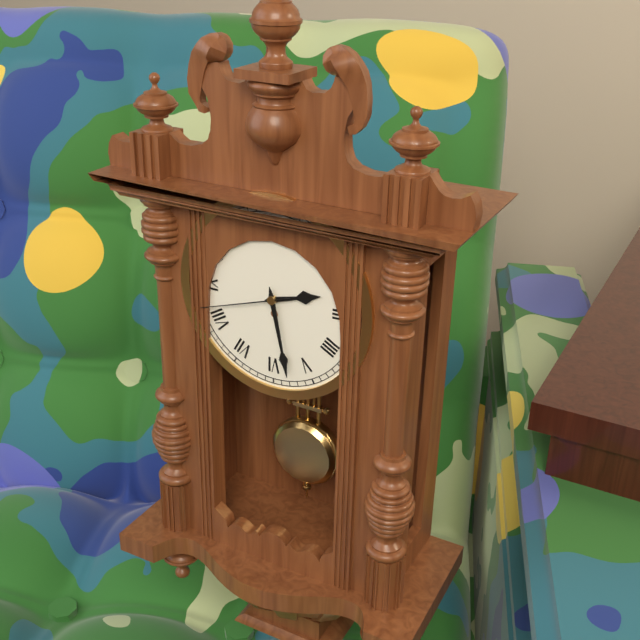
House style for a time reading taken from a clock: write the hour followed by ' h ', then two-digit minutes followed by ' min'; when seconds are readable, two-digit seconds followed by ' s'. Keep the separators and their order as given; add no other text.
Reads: 2 h 28 min 42 s
